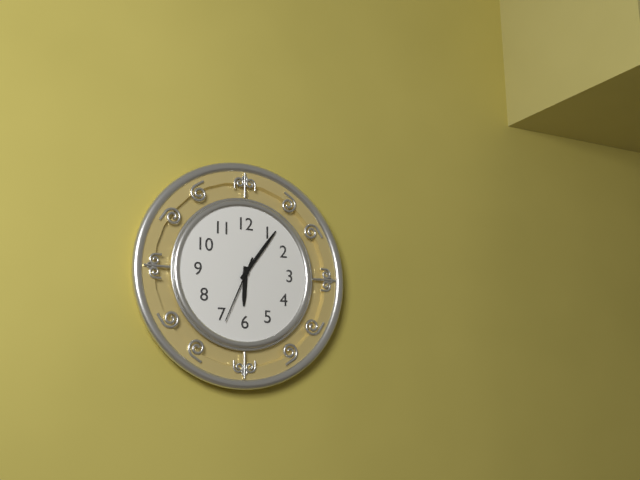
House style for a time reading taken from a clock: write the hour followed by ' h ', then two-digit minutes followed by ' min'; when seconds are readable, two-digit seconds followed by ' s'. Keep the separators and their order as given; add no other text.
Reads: 6 h 06 min 34 s
